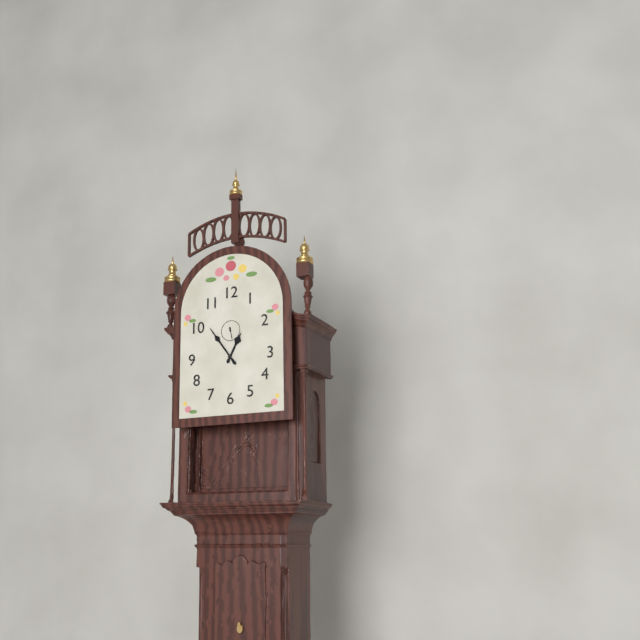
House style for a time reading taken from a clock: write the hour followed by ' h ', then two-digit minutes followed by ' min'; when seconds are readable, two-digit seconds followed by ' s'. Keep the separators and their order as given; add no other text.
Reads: 12 h 54 min
